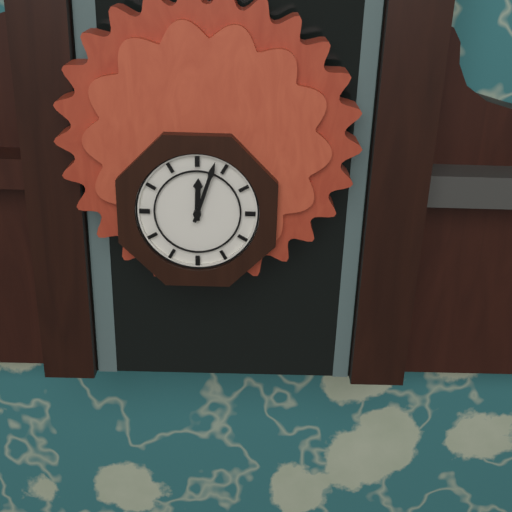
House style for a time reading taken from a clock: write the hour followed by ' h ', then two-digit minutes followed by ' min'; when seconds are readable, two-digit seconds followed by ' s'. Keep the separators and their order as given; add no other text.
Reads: 12 h 03 min
